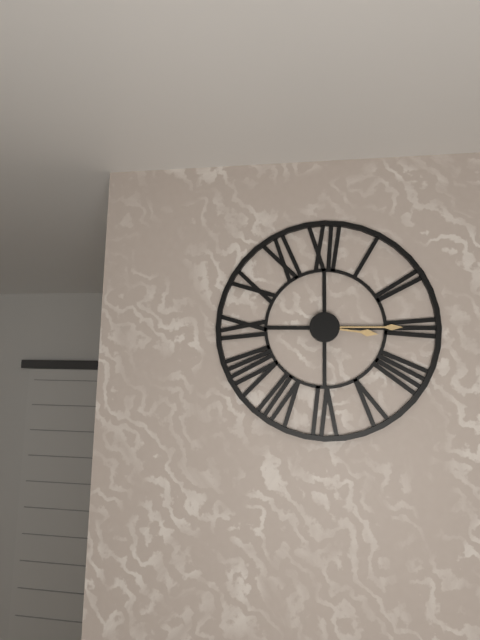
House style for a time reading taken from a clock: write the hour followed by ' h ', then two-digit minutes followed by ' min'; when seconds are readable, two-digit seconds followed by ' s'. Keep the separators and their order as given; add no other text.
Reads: 3 h 15 min
